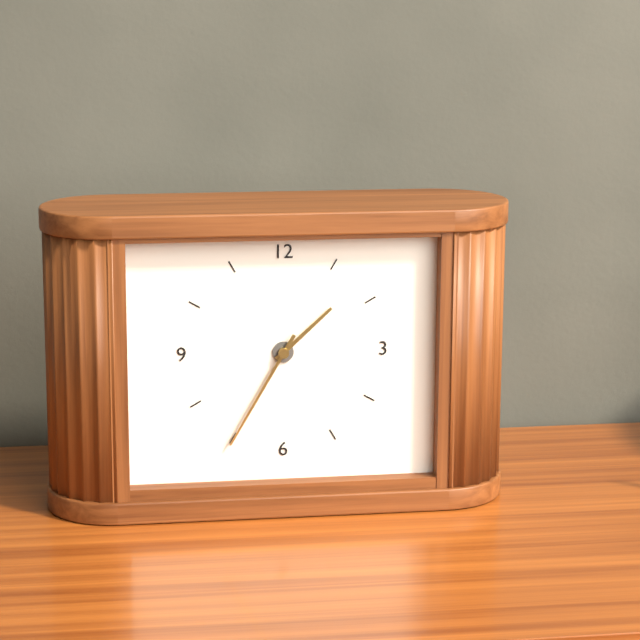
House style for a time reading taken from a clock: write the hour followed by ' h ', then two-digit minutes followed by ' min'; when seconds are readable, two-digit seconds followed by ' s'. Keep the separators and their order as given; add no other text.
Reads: 1 h 35 min
